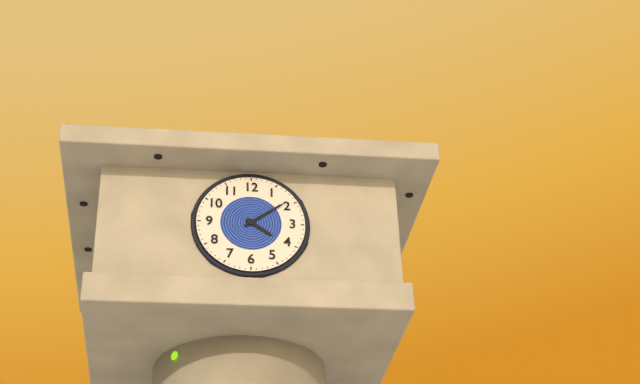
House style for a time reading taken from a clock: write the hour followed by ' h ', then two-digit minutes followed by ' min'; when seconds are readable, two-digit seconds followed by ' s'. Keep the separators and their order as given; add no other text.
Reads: 4 h 09 min
